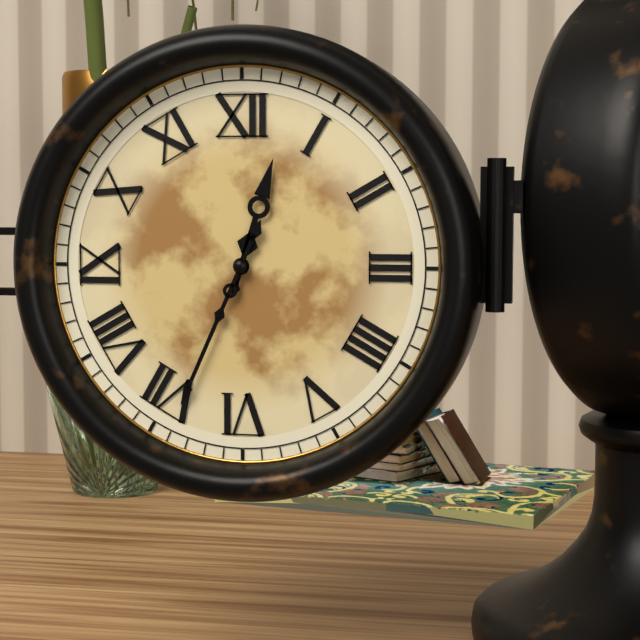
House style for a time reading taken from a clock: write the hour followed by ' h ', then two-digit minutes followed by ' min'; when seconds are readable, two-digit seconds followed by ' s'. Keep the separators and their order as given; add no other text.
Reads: 12 h 34 min
